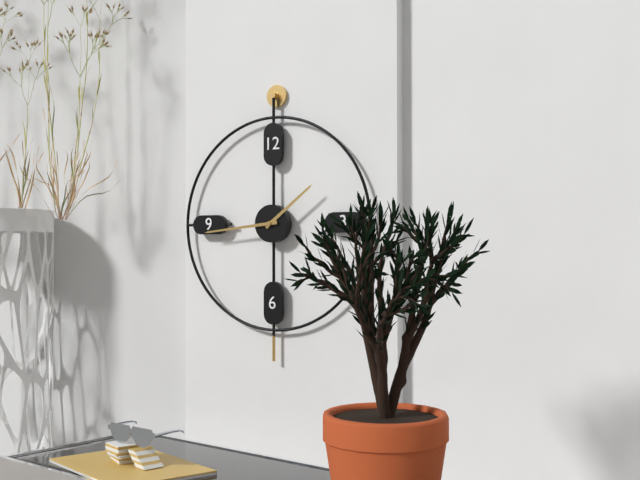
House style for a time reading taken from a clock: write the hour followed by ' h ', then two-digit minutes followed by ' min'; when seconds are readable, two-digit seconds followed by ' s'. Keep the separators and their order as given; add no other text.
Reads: 1 h 44 min
